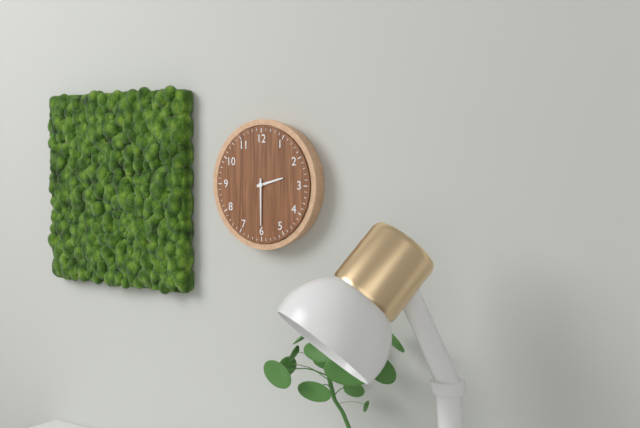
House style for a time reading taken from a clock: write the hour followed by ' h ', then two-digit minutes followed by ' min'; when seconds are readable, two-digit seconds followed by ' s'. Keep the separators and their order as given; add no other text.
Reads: 2 h 30 min
